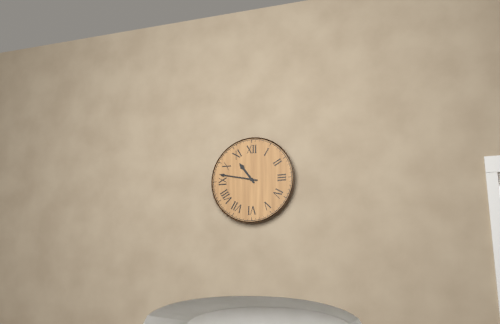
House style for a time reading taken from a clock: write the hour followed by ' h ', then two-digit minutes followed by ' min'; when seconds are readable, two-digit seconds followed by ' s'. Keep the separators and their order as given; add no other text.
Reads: 10 h 47 min
